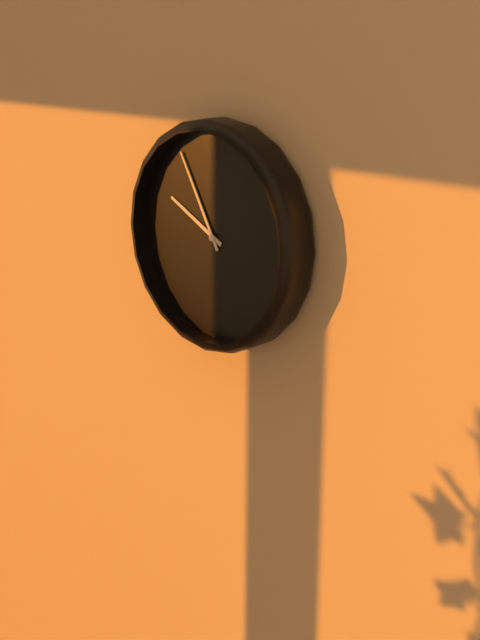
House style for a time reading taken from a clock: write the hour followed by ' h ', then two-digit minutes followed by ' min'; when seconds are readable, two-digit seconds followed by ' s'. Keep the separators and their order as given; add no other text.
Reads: 9 h 55 min
